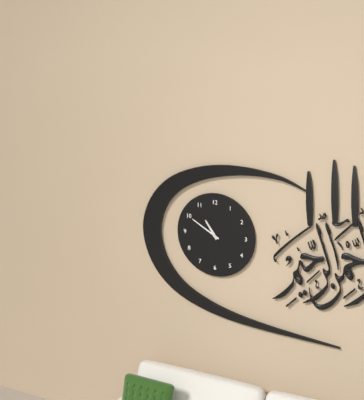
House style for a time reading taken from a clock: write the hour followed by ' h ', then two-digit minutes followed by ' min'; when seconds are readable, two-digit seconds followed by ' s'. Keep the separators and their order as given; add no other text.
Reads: 10 h 50 min
